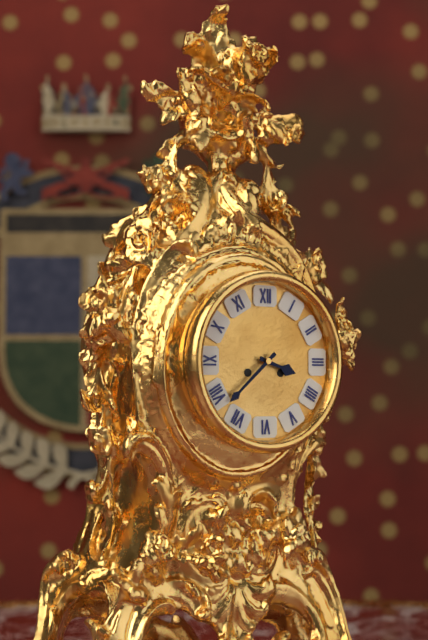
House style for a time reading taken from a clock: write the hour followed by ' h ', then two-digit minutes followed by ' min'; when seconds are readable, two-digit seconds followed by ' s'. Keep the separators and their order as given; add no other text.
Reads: 3 h 38 min
